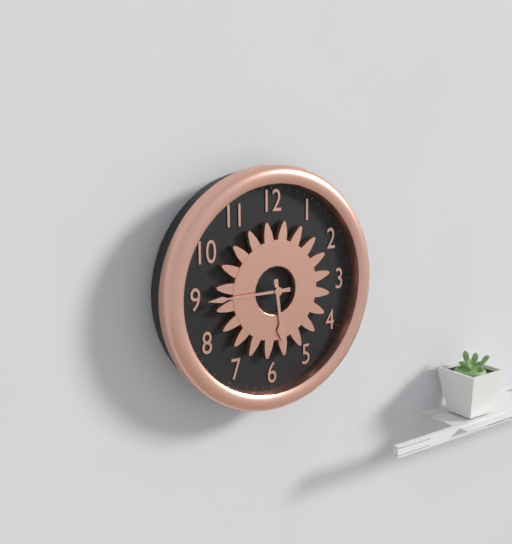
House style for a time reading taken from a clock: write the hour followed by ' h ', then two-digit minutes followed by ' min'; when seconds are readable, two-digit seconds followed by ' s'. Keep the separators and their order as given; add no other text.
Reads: 5 h 45 min
